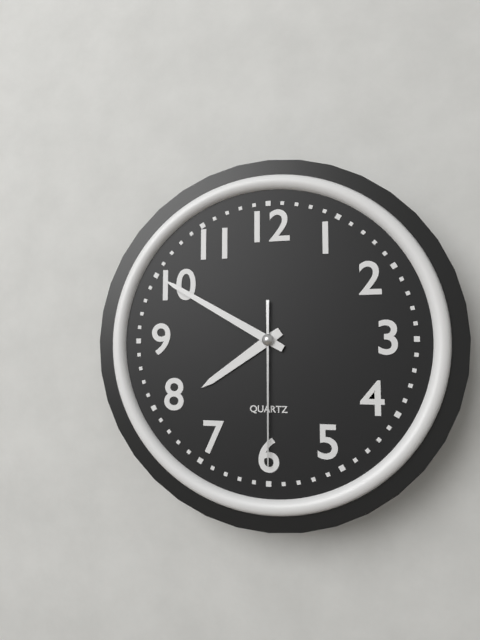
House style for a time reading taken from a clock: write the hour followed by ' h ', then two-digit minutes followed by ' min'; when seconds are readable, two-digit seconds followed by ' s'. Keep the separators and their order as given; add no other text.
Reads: 7 h 50 min 30 s
